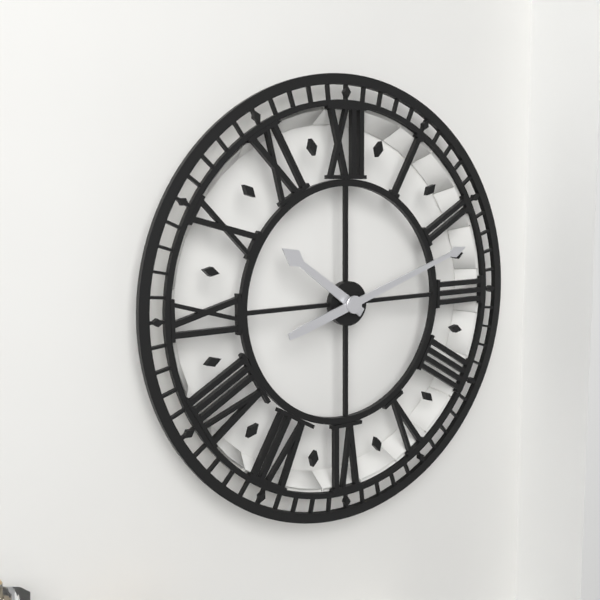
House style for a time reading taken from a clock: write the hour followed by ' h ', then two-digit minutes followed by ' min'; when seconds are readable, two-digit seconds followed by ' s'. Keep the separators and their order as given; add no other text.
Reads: 10 h 12 min
